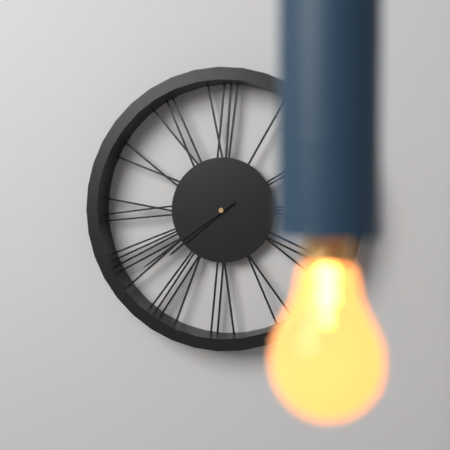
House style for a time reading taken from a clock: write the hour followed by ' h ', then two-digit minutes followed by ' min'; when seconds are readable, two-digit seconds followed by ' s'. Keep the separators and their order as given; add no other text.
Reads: 7 h 39 min
